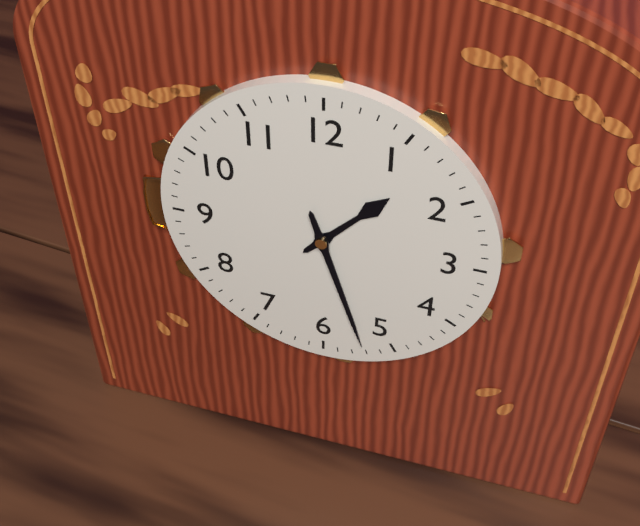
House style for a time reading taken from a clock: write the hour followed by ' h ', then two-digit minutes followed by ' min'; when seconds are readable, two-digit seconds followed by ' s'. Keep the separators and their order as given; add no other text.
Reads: 1 h 27 min
